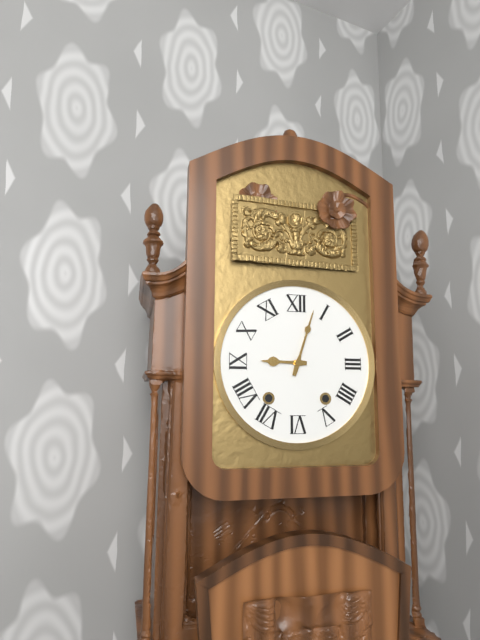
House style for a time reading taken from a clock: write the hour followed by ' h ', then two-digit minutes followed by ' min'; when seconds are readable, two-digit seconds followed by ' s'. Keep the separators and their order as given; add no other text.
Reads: 9 h 03 min
